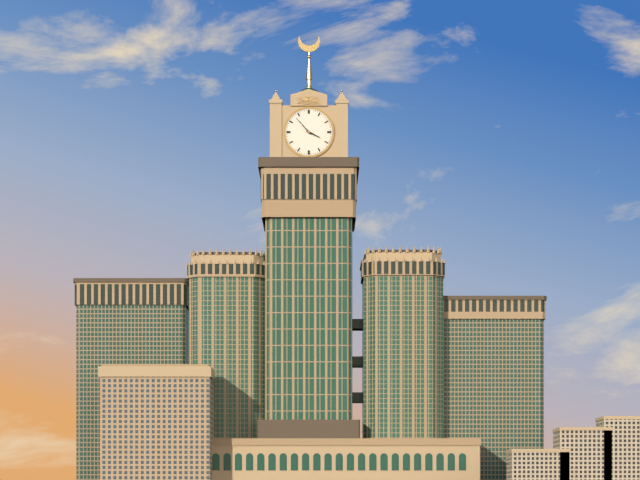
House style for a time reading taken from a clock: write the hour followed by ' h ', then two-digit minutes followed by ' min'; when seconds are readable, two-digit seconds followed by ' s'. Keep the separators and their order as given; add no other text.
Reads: 3 h 53 min
